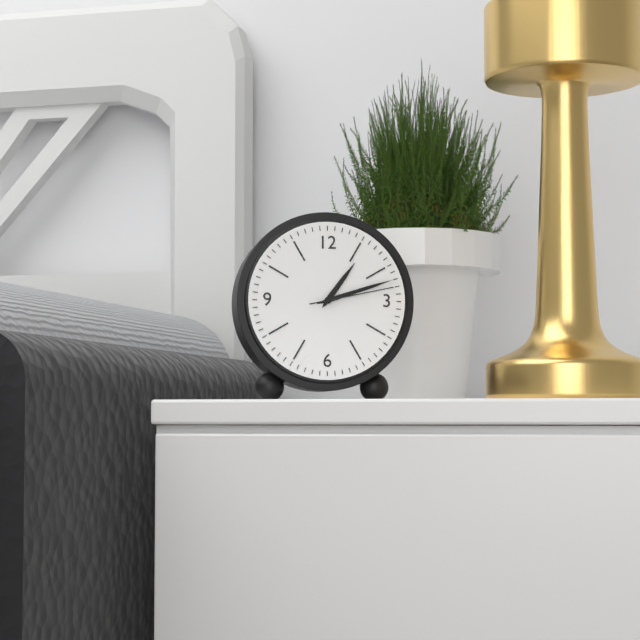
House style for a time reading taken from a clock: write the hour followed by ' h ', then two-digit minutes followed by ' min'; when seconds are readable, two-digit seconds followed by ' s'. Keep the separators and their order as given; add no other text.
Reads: 1 h 12 min 13 s
